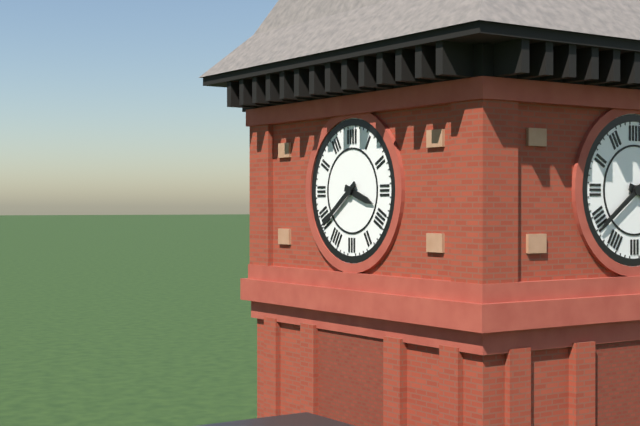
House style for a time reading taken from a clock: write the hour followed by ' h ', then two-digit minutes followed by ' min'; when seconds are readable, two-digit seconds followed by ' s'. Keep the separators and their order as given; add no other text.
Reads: 3 h 39 min
